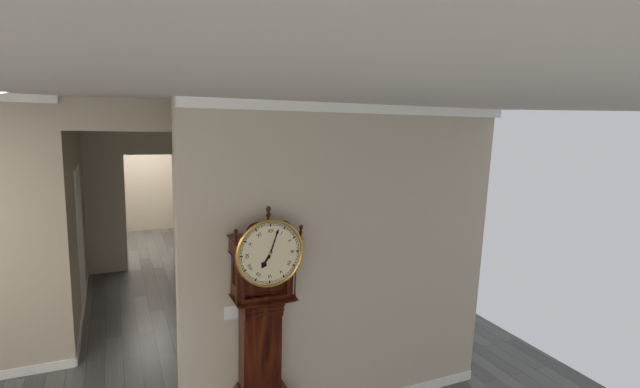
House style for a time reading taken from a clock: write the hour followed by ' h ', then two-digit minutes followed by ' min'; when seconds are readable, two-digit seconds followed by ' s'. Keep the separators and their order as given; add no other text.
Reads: 7 h 03 min
